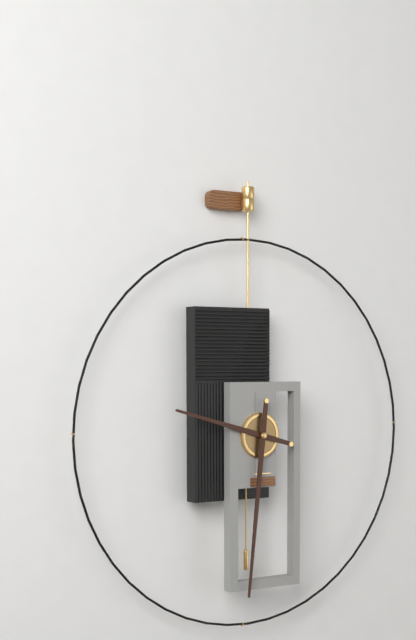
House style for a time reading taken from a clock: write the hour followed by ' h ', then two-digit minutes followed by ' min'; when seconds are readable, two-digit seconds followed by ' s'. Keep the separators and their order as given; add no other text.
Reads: 9 h 31 min
